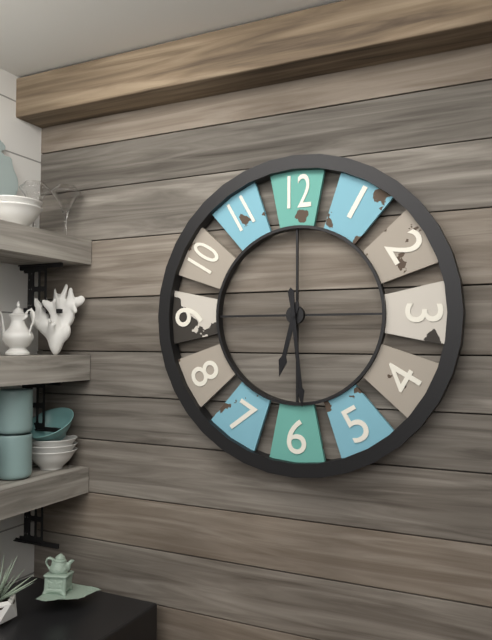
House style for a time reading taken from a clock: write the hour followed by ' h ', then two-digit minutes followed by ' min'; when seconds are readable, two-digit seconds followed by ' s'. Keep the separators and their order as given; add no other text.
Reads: 6 h 29 min
